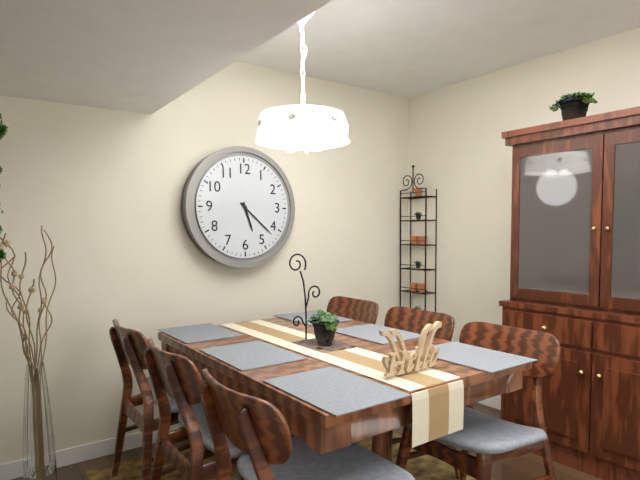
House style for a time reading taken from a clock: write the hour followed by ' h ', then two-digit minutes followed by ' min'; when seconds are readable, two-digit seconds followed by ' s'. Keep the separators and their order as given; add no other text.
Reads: 5 h 22 min
